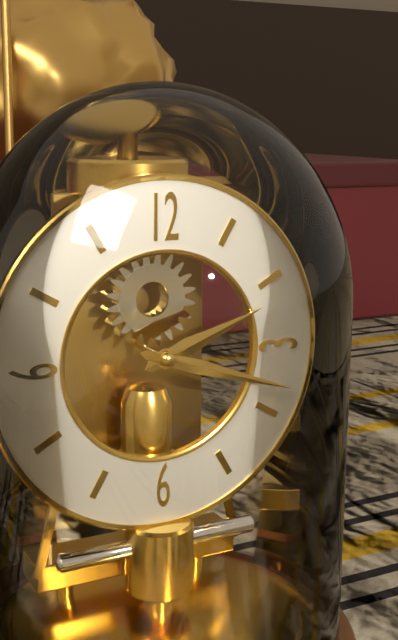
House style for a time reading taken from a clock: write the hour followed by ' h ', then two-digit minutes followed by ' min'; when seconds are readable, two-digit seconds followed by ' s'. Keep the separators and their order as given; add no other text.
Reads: 2 h 18 min
